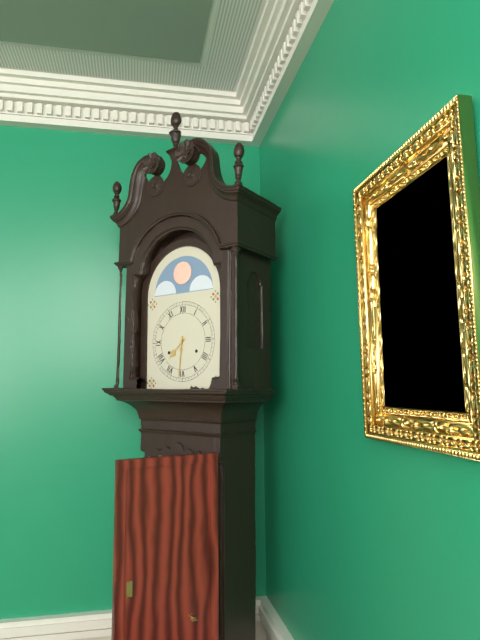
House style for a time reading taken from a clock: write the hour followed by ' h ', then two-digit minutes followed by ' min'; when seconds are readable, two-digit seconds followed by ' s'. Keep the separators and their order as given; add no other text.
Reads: 7 h 31 min
